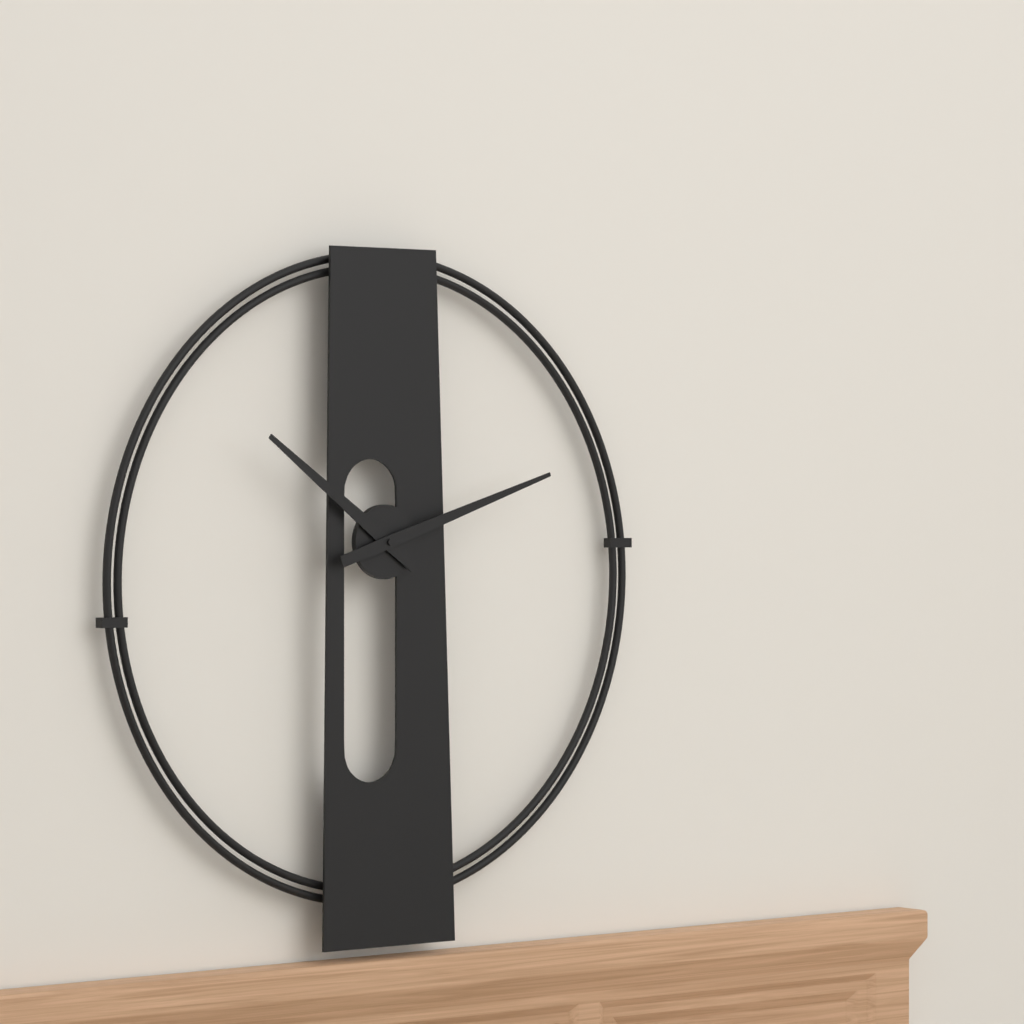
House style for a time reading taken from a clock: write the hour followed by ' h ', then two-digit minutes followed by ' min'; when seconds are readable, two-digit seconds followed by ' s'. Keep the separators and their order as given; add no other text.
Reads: 10 h 12 min
